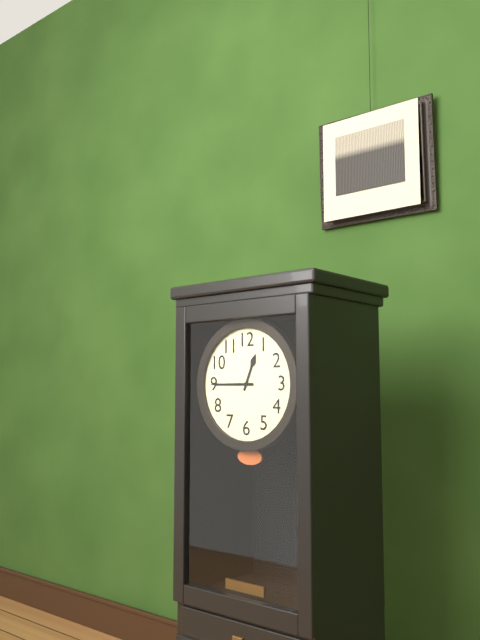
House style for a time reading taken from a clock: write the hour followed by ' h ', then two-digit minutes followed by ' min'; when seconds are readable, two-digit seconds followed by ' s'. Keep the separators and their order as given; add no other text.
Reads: 12 h 45 min
